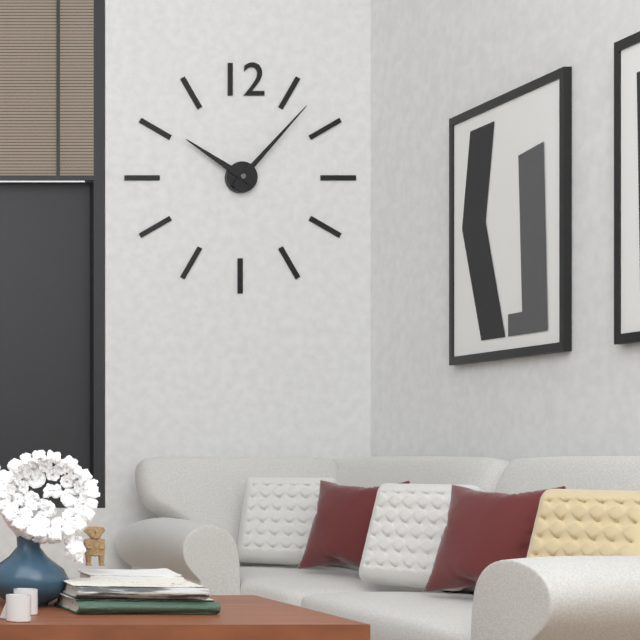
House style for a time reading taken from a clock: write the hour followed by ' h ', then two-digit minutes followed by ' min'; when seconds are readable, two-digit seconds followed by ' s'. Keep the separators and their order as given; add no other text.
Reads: 10 h 07 min
